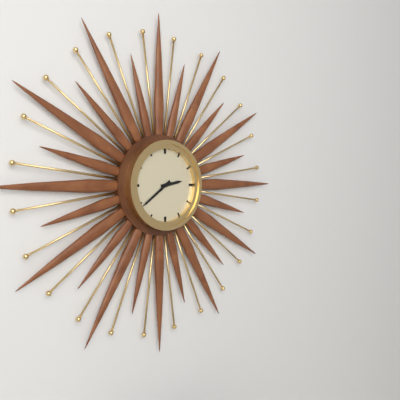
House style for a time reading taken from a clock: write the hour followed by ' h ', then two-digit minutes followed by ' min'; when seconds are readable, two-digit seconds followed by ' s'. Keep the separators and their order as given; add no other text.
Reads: 2 h 39 min
